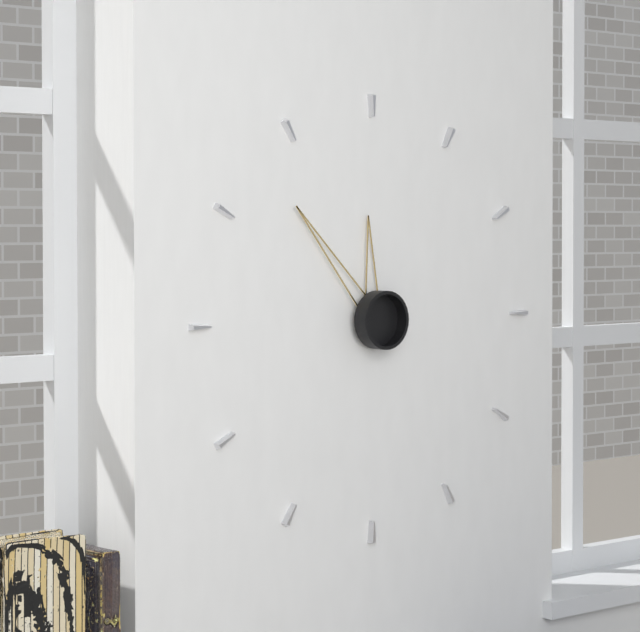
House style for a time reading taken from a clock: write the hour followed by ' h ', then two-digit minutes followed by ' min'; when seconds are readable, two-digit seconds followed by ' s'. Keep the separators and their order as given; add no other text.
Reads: 11 h 53 min
